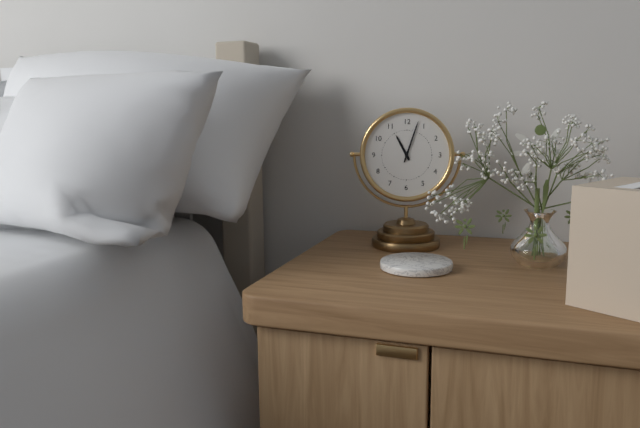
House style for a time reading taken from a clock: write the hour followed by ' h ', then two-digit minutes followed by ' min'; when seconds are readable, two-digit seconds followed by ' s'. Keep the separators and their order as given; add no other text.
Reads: 11 h 03 min
